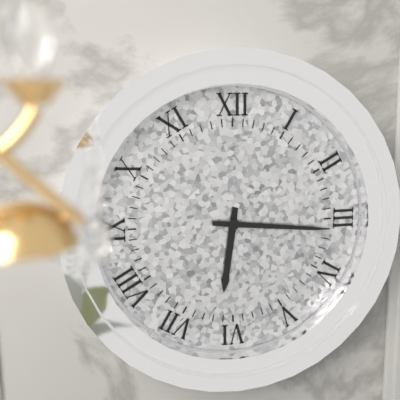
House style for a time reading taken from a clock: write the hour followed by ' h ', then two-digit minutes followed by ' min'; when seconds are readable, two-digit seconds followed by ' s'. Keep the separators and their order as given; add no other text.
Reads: 6 h 16 min
